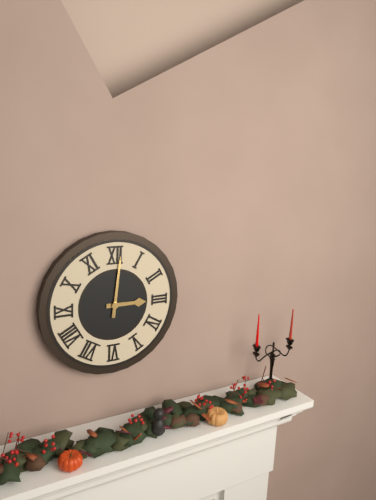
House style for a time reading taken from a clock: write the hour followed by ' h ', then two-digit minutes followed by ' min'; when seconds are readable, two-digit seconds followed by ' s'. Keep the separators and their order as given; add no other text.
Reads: 3 h 01 min
